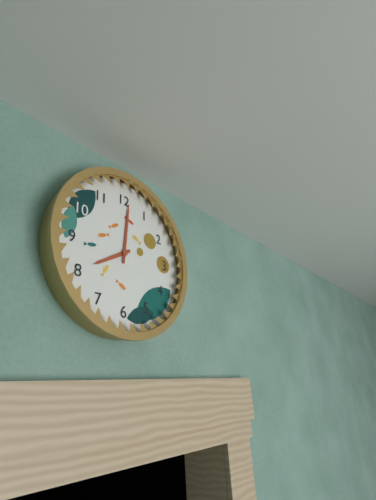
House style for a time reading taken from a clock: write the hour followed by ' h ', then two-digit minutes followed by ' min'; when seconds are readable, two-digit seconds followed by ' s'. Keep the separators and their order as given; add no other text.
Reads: 8 h 01 min
